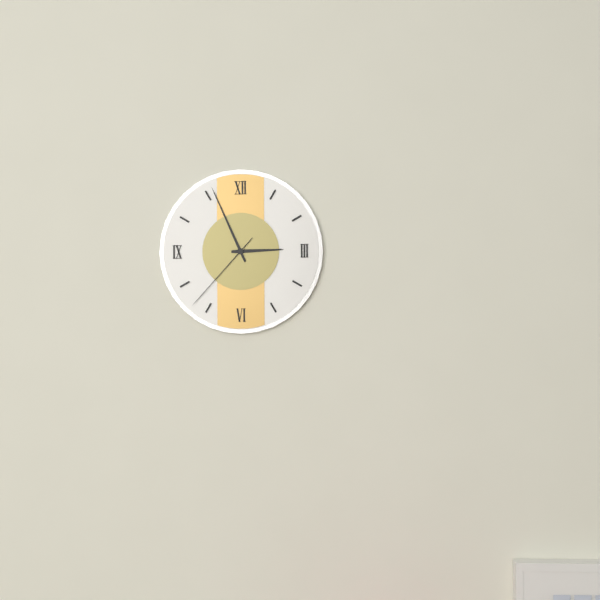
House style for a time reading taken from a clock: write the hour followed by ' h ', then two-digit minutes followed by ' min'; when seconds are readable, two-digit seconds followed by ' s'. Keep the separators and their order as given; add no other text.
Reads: 2 h 56 min 37 s
